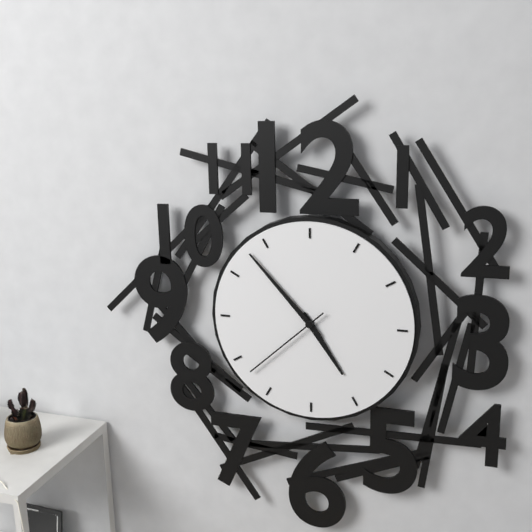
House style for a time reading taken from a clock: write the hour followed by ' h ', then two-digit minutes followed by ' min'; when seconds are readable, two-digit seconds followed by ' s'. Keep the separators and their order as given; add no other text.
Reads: 4 h 53 min 38 s
